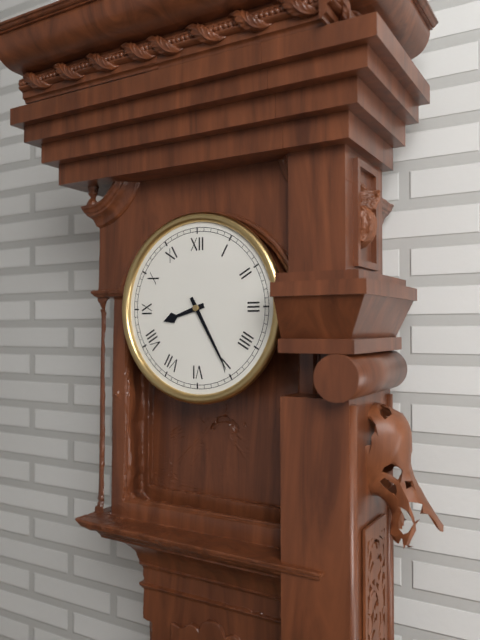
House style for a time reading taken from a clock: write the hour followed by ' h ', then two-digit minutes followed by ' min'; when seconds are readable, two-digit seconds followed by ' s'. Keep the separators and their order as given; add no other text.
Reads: 8 h 25 min
